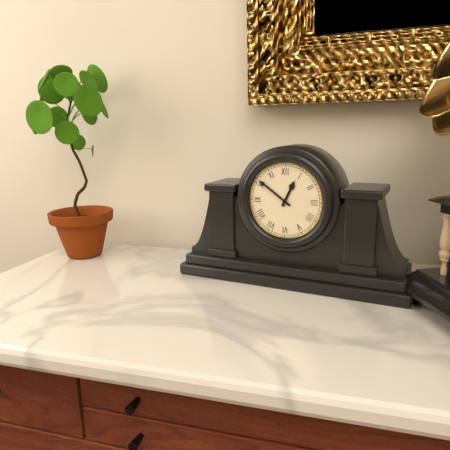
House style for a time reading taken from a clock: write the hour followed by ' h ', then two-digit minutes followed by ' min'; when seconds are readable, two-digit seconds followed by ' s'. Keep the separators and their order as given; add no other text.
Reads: 12 h 51 min
